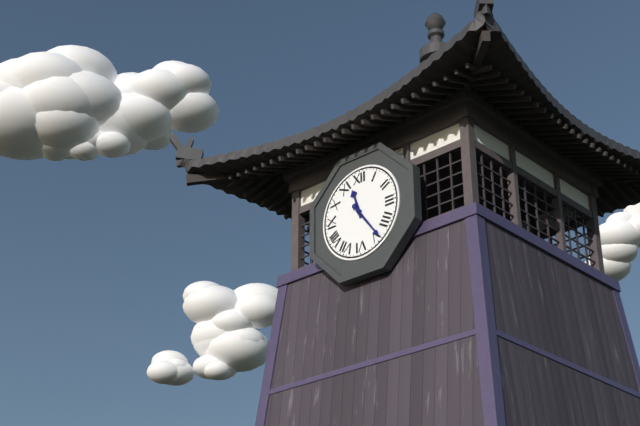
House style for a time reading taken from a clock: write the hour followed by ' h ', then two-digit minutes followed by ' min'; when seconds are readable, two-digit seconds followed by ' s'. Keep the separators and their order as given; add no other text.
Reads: 11 h 24 min
